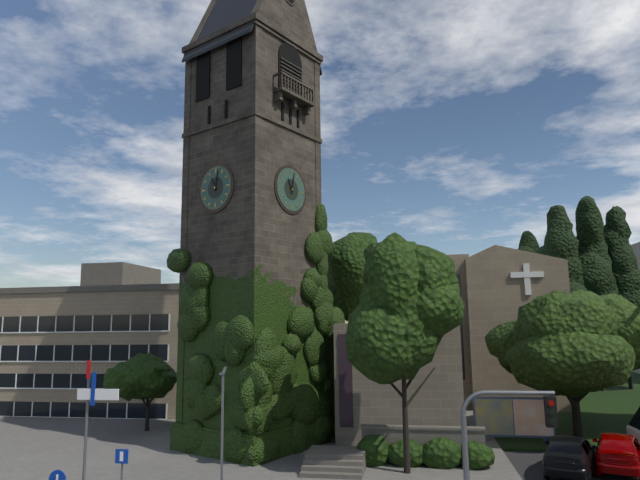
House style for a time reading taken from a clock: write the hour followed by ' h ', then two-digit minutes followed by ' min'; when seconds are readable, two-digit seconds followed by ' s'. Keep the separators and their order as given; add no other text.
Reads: 11 h 02 min
